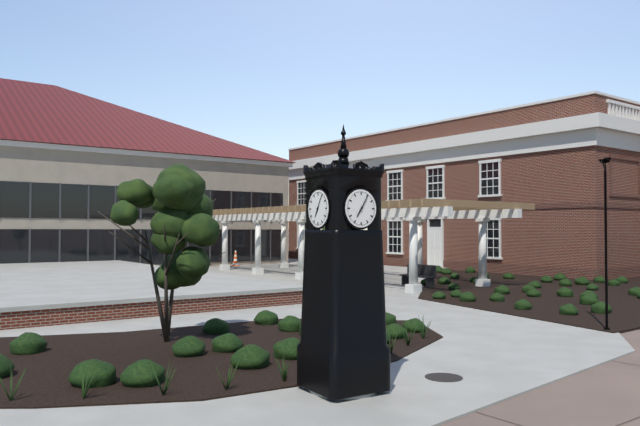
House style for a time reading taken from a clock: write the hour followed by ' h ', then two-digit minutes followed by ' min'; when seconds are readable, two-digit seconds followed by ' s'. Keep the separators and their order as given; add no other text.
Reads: 7 h 05 min
